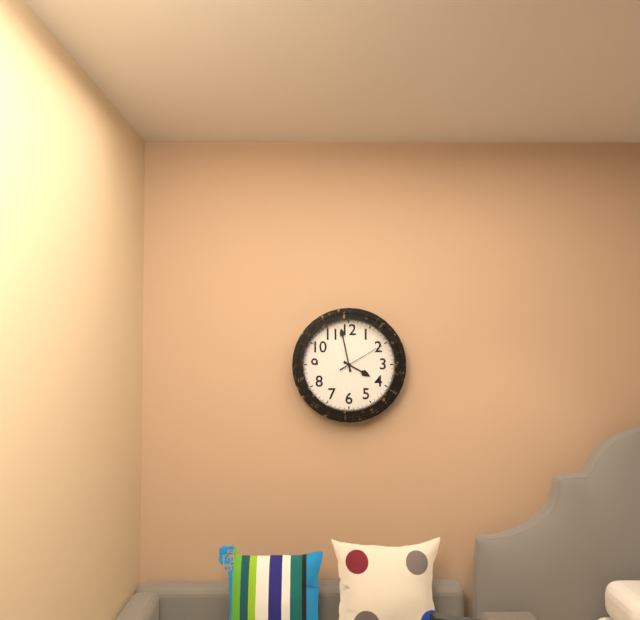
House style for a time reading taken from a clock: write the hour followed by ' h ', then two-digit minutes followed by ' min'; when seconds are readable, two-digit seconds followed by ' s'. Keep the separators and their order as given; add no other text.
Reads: 3 h 58 min
